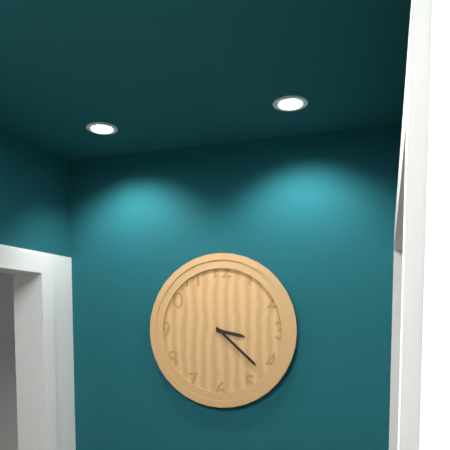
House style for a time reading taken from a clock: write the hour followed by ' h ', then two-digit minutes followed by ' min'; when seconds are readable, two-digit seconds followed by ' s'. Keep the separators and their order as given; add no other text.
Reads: 3 h 22 min
